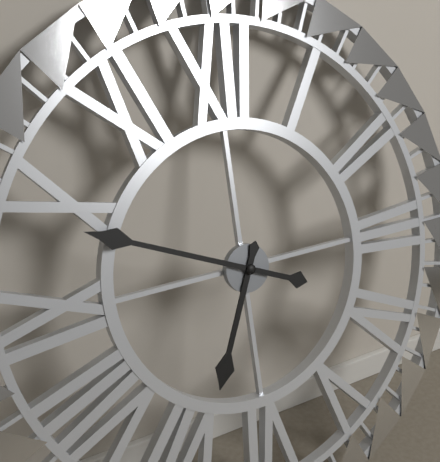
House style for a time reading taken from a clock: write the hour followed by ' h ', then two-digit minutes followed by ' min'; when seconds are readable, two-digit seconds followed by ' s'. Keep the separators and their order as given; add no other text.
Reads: 6 h 49 min
